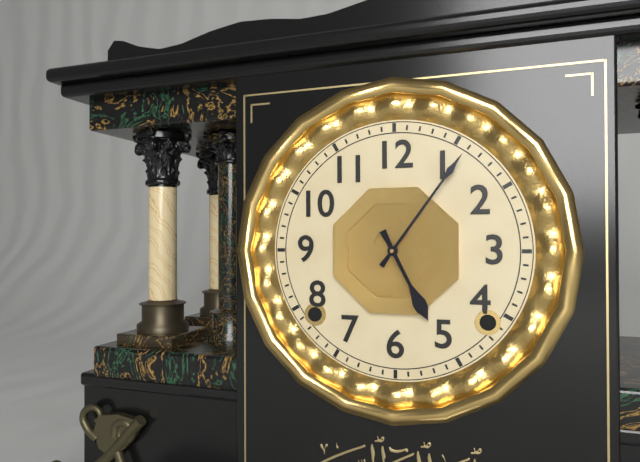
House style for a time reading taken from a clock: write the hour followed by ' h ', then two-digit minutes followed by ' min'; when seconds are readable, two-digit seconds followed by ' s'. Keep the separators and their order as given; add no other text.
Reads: 5 h 06 min
